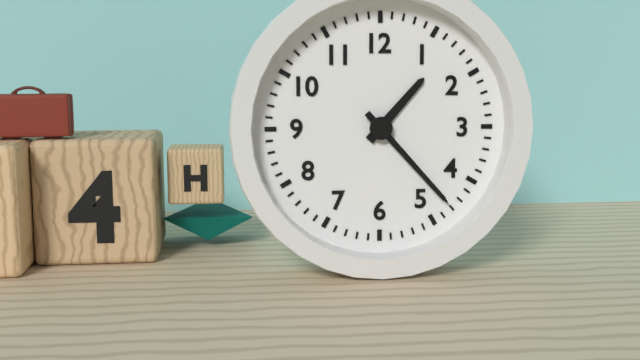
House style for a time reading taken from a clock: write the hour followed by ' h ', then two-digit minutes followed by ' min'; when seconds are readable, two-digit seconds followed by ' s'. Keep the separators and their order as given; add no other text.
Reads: 1 h 23 min
